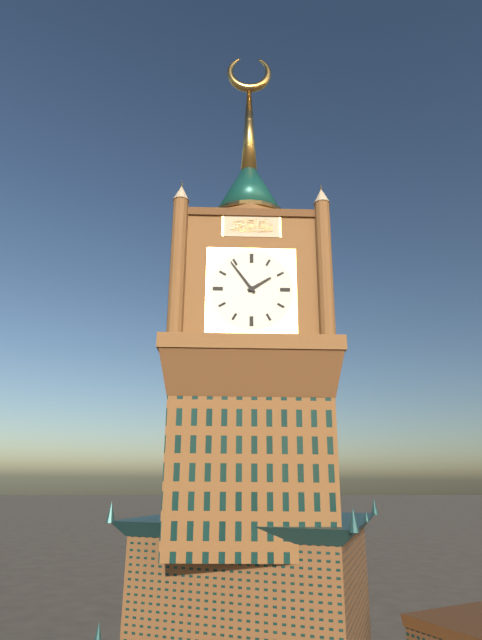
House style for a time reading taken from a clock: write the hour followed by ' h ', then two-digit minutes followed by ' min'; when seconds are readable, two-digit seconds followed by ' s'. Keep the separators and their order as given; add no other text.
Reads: 1 h 54 min
